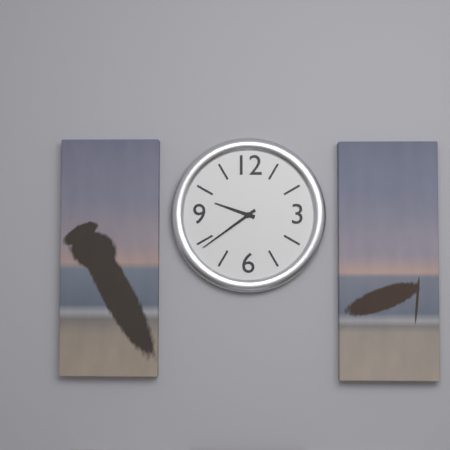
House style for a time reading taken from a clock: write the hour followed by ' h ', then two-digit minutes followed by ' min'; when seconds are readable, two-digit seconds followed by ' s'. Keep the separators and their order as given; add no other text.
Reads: 9 h 39 min
